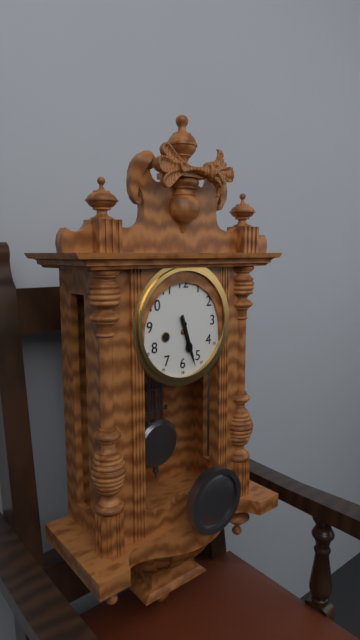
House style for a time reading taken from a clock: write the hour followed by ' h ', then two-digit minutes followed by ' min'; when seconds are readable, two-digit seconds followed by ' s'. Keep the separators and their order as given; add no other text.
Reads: 5 h 27 min
